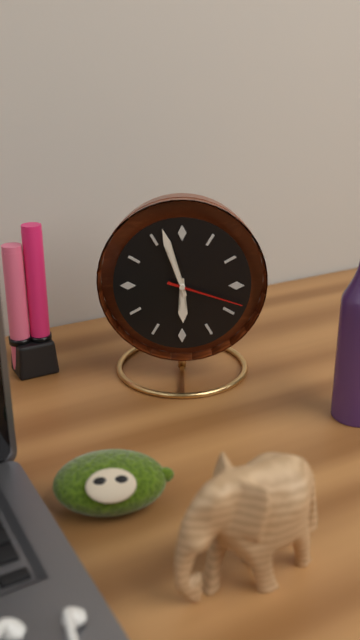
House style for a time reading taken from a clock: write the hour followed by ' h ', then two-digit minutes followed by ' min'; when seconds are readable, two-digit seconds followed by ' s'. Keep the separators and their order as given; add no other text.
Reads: 5 h 57 min 18 s
